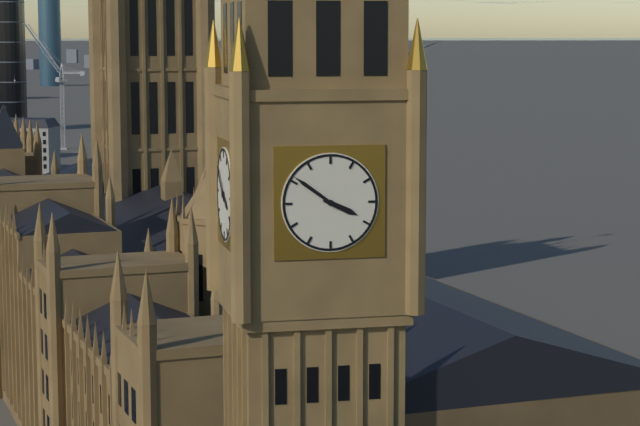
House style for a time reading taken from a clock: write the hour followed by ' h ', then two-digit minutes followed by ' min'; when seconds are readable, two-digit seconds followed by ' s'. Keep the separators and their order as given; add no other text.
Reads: 3 h 51 min
